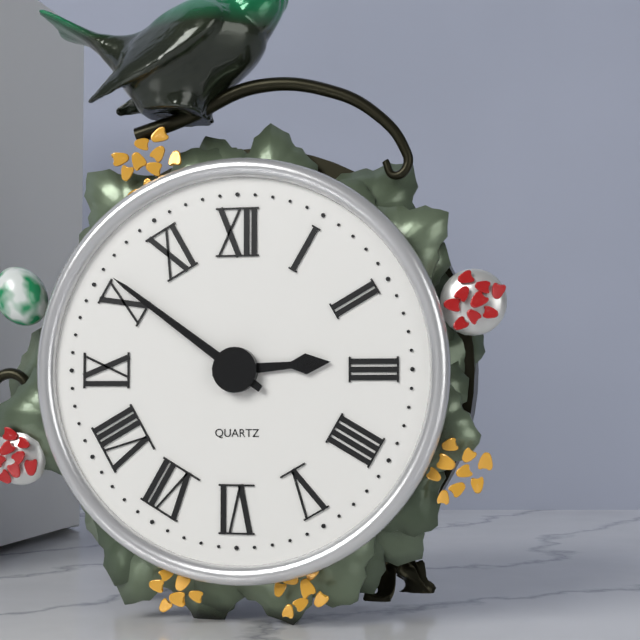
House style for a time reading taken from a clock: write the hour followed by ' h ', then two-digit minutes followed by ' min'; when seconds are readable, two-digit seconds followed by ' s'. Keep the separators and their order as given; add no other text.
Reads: 2 h 51 min
